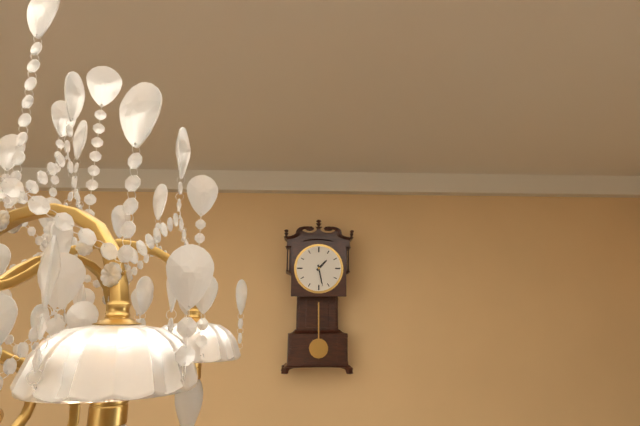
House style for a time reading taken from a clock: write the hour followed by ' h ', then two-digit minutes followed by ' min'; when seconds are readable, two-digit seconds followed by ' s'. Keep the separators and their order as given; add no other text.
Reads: 1 h 28 min
